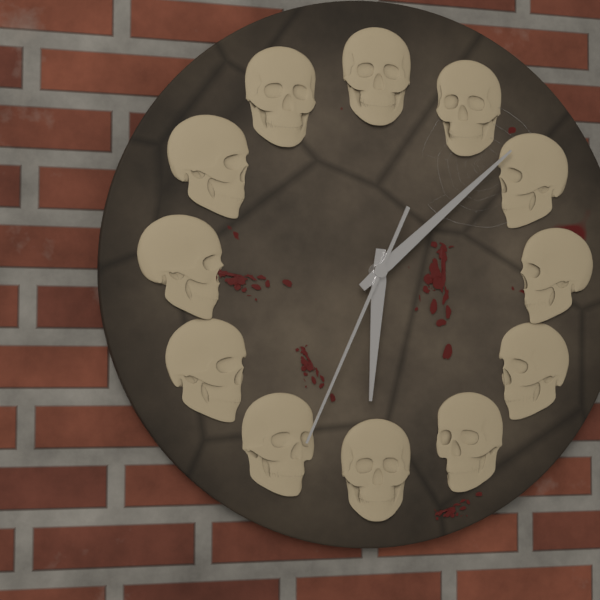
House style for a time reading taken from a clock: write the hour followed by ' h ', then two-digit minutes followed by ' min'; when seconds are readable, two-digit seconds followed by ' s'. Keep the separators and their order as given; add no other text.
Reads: 6 h 08 min 34 s
